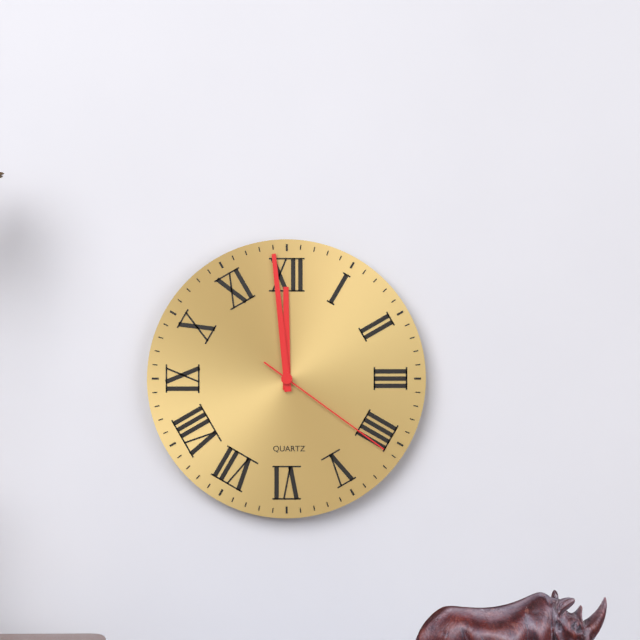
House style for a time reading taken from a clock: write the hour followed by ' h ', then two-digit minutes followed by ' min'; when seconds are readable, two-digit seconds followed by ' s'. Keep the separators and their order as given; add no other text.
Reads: 11 h 59 min 21 s
